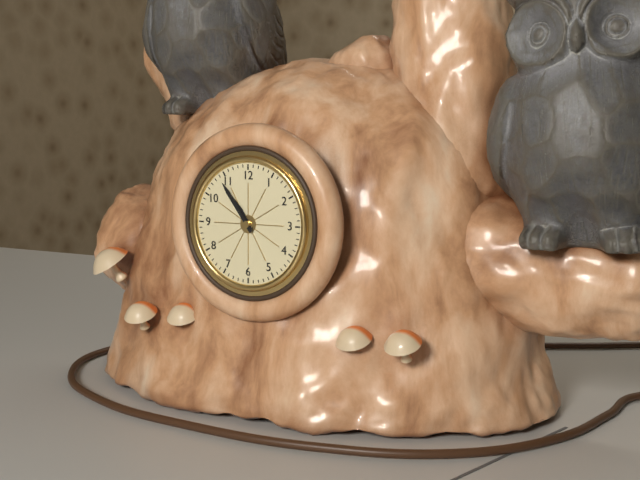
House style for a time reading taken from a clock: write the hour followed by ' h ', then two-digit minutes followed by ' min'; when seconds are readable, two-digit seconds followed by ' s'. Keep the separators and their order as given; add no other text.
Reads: 10 h 54 min
